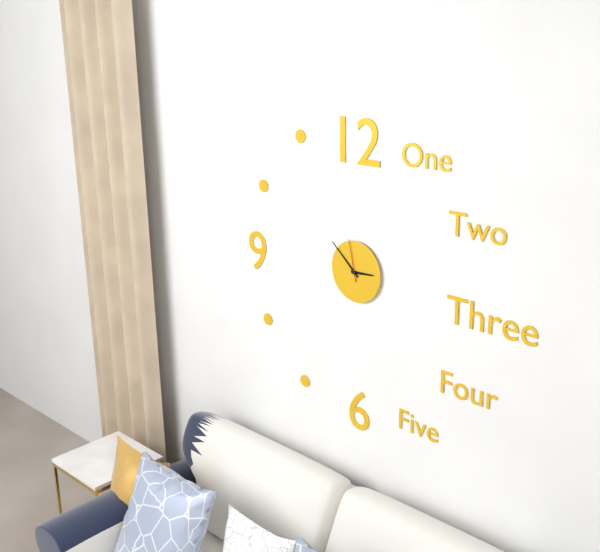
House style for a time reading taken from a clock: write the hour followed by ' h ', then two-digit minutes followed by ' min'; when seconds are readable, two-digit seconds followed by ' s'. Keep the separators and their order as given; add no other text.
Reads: 2 h 52 min
